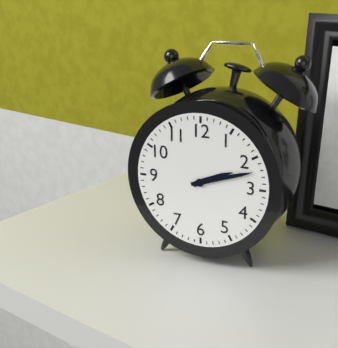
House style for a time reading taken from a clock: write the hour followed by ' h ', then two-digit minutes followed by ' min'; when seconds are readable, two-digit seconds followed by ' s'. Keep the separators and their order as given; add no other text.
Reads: 2 h 12 min
